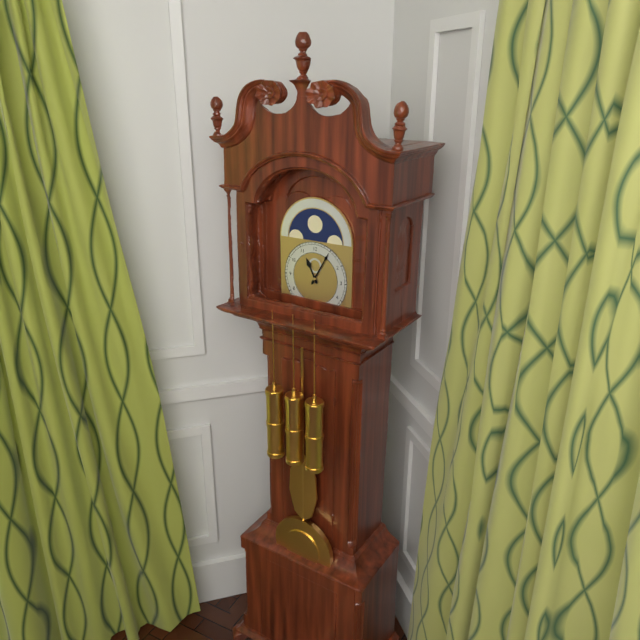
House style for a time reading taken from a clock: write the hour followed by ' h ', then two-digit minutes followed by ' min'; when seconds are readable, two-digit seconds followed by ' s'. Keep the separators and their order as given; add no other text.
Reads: 11 h 05 min
